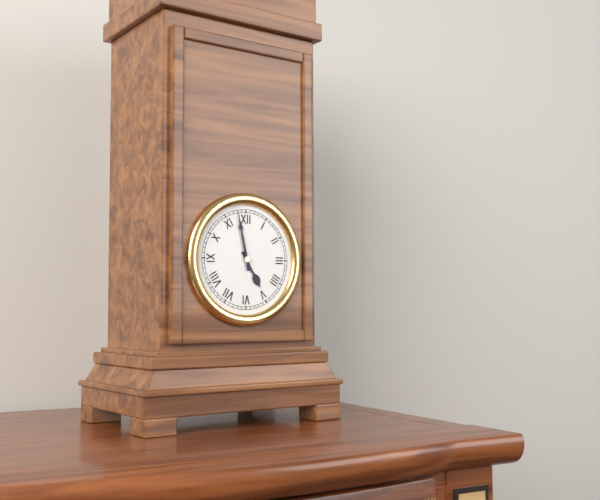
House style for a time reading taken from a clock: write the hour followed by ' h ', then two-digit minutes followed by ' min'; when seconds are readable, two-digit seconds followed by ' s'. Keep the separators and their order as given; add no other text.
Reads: 4 h 58 min
